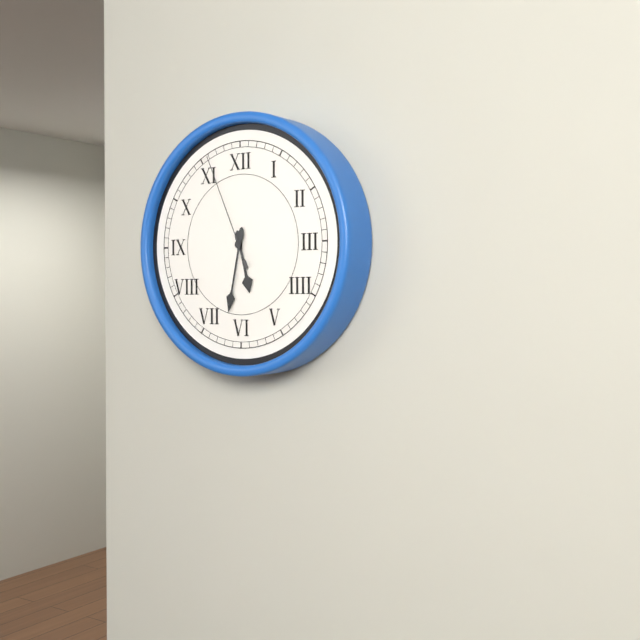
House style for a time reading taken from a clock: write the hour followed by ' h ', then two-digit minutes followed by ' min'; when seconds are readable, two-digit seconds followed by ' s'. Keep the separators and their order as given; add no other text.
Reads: 5 h 32 min 56 s
